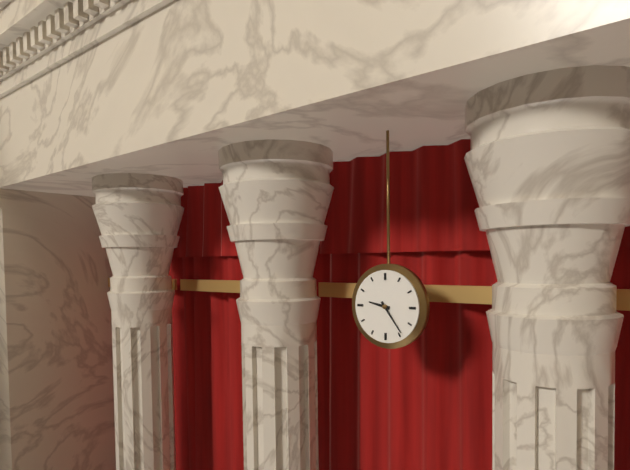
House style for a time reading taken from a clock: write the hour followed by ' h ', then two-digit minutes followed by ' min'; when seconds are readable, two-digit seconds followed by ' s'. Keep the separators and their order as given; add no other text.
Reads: 9 h 24 min
